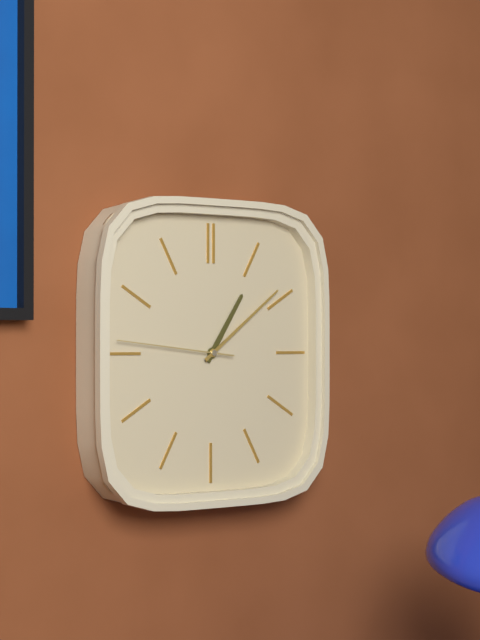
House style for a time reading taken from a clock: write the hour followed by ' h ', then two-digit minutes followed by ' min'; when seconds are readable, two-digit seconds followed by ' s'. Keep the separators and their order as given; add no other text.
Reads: 1 h 09 min 46 s
